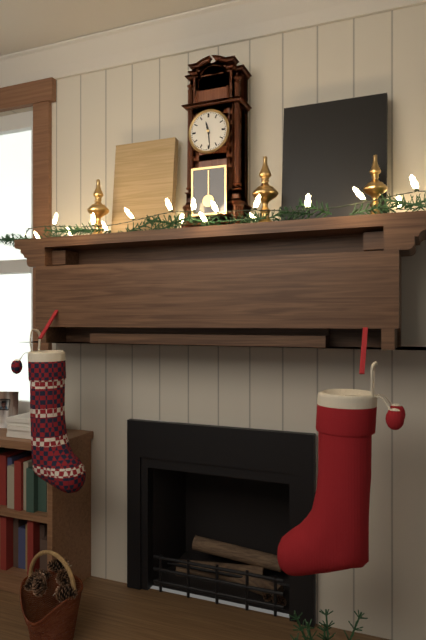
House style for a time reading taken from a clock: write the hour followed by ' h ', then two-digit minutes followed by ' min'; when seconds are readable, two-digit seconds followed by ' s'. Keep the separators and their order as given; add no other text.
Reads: 11 h 29 min
